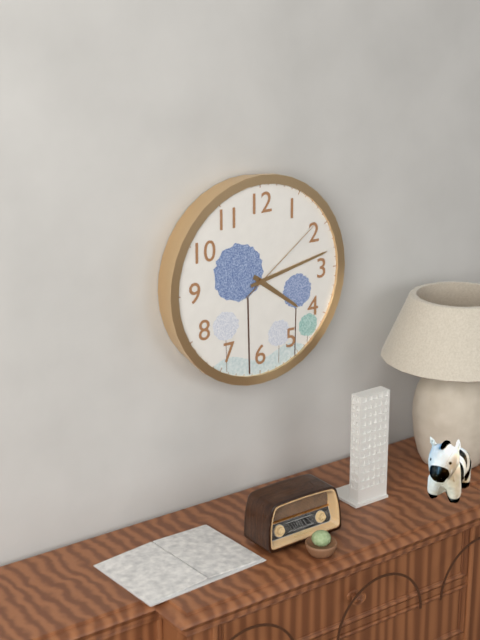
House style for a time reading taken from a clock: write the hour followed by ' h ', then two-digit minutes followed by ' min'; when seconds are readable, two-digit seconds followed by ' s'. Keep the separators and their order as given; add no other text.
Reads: 4 h 13 min 09 s
